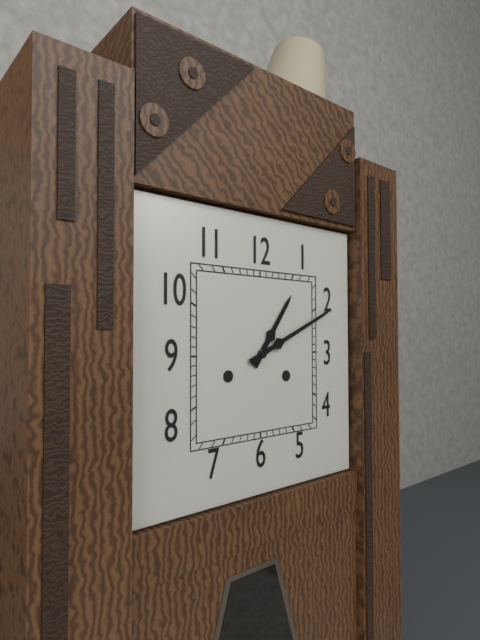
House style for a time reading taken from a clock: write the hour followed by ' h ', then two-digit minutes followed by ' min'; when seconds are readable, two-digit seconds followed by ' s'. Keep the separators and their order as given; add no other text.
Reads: 1 h 11 min
